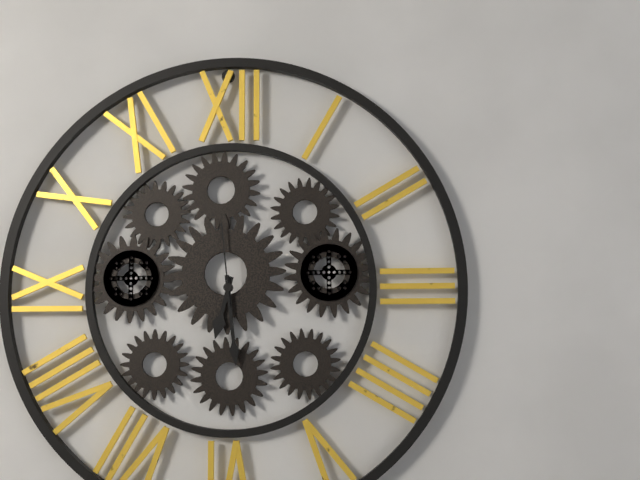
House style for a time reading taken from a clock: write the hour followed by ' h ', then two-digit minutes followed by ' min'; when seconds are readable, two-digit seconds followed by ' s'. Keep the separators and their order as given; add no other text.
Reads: 6 h 29 min 59 s
